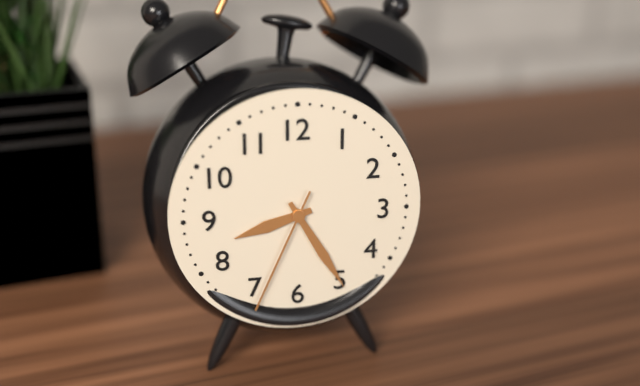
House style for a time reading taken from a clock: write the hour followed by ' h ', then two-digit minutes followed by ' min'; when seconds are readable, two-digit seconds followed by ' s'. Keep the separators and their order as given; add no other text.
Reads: 8 h 25 min 34 s
